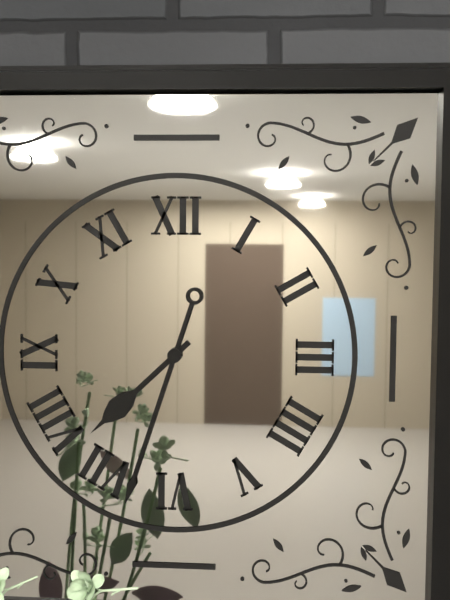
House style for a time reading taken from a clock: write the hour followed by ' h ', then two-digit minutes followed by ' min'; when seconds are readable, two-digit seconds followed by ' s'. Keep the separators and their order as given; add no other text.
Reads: 7 h 33 min
